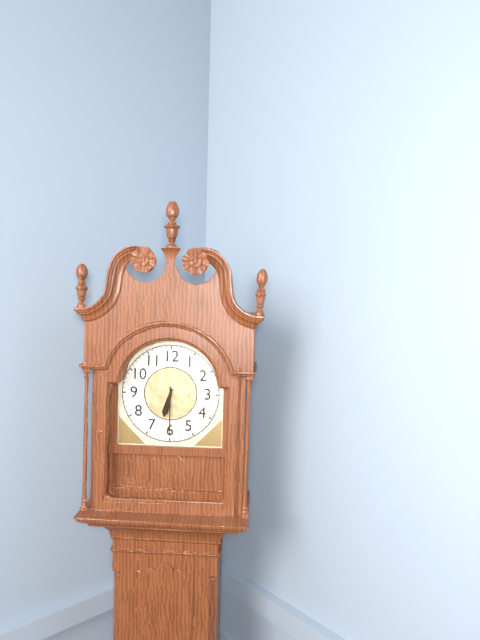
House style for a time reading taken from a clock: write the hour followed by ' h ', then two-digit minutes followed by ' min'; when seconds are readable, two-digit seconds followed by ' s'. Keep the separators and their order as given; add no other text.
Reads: 6 h 30 min
